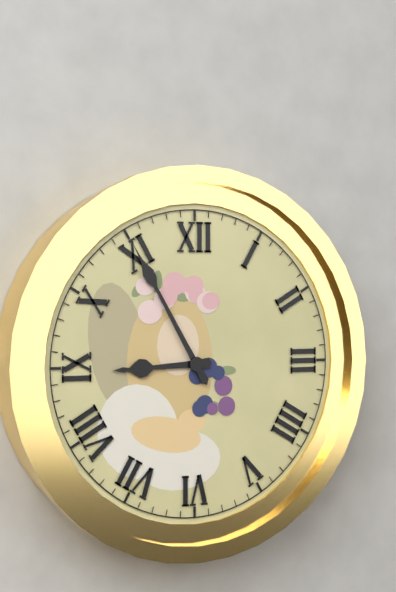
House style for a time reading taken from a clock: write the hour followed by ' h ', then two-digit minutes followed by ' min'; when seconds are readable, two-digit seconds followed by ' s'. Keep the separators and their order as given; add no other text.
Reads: 8 h 55 min
